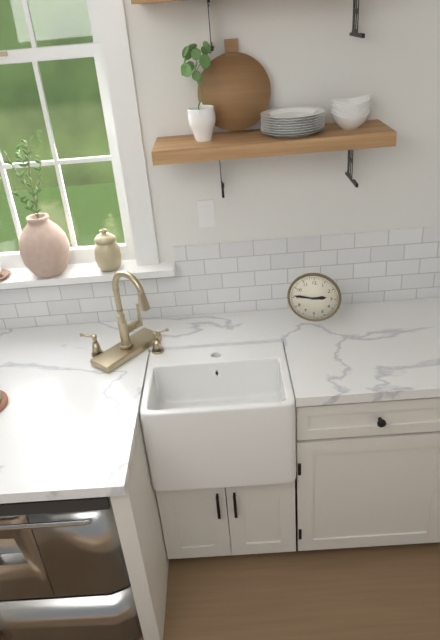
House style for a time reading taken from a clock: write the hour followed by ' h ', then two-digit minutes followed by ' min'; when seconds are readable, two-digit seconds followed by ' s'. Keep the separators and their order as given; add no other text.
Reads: 2 h 46 min
